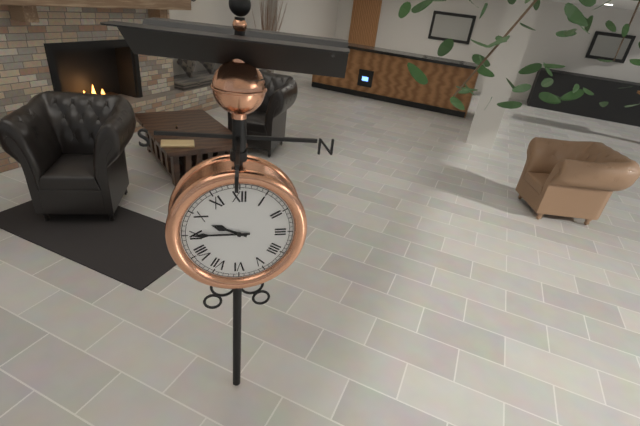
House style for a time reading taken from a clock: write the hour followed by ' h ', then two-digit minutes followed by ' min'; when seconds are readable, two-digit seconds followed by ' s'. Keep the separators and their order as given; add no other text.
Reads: 9 h 45 min
